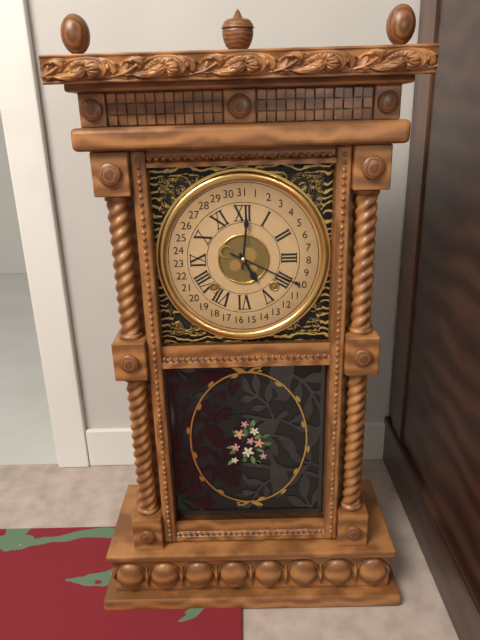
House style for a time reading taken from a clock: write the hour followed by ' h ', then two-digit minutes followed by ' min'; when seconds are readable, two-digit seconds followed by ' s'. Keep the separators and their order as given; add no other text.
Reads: 5 h 01 min
